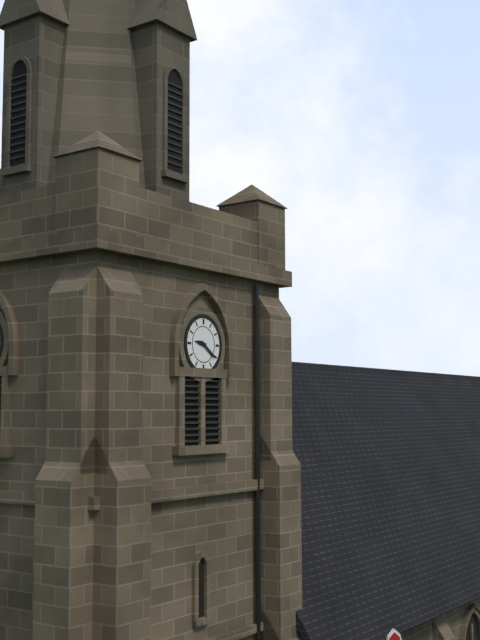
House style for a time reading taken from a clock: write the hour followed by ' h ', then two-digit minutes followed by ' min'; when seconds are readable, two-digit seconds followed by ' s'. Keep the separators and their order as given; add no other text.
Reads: 9 h 21 min
